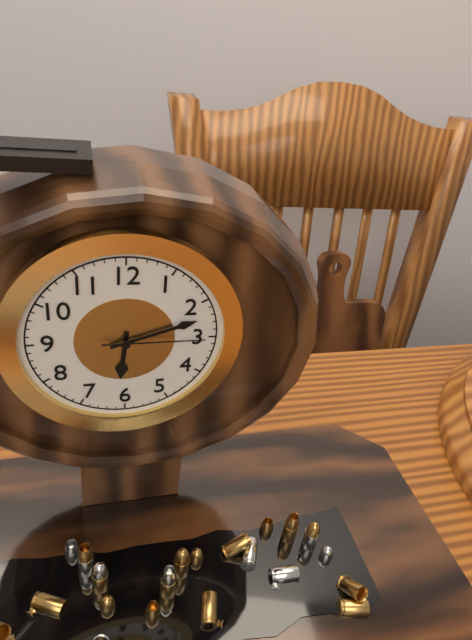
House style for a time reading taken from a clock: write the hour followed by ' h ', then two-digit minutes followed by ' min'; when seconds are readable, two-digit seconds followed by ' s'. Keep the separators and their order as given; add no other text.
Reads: 6 h 12 min 15 s
